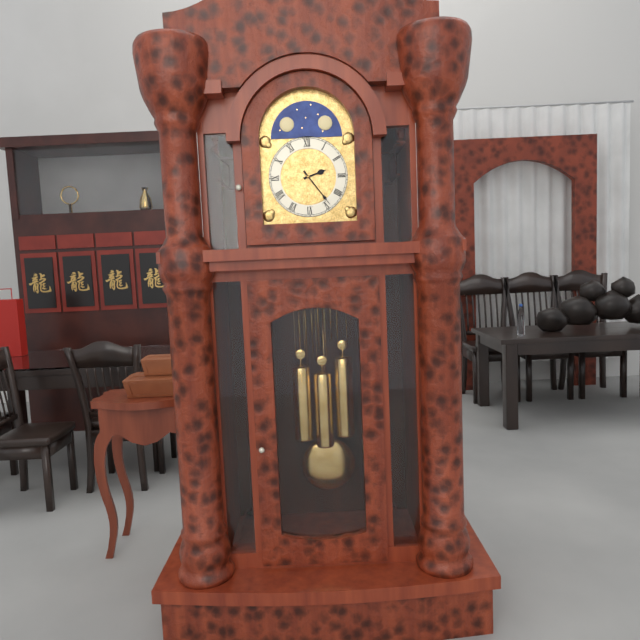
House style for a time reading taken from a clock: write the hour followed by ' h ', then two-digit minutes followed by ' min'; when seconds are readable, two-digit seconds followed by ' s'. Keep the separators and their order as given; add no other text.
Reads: 2 h 24 min
